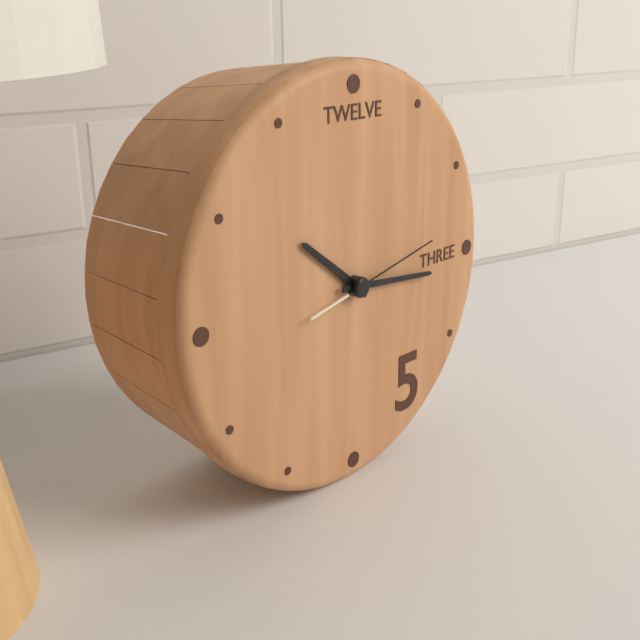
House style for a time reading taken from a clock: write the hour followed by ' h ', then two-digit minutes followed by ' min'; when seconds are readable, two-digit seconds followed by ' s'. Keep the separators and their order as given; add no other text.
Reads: 10 h 16 min 13 s
